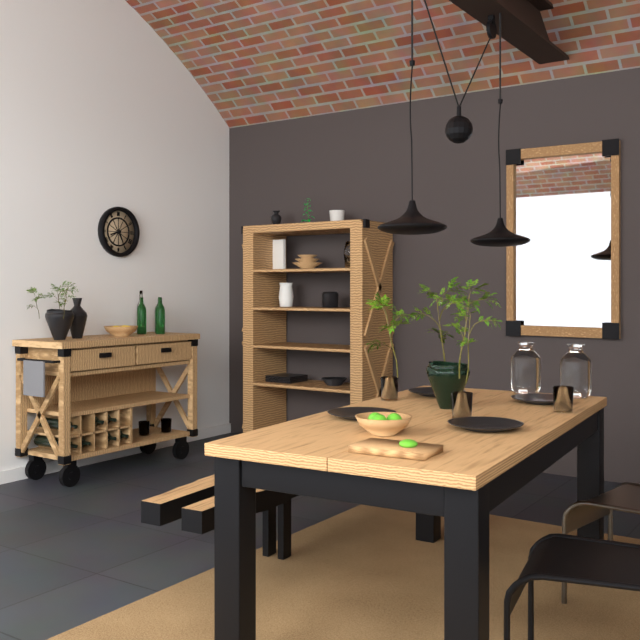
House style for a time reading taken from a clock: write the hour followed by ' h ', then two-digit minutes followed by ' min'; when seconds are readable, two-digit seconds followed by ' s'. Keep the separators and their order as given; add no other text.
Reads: 8 h 26 min
